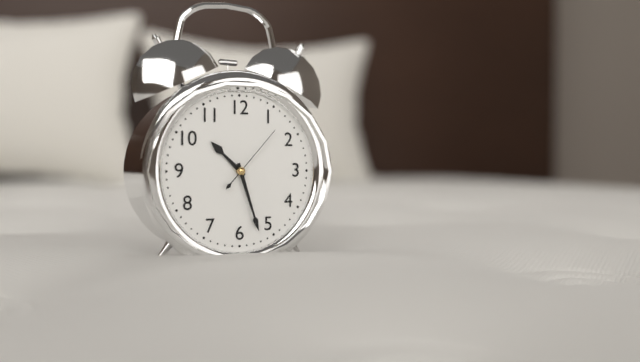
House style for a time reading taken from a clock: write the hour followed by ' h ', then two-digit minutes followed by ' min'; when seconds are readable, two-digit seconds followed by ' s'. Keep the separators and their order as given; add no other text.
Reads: 10 h 27 min 07 s
